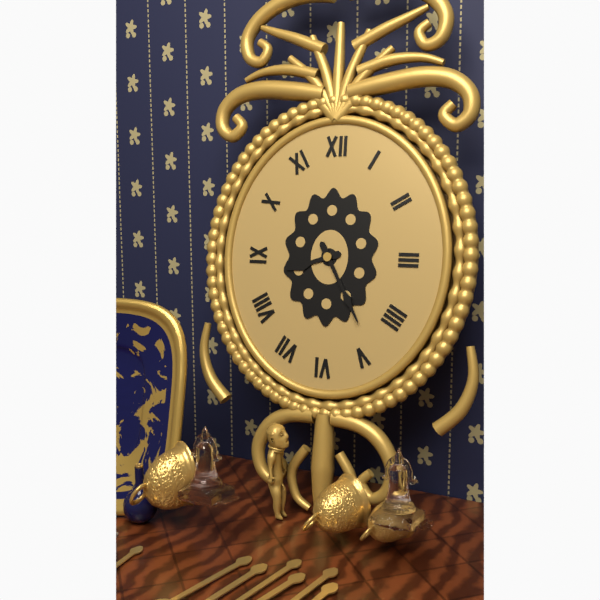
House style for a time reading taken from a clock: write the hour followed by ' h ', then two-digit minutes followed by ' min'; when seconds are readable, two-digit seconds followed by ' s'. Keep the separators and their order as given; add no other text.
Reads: 8 h 25 min
